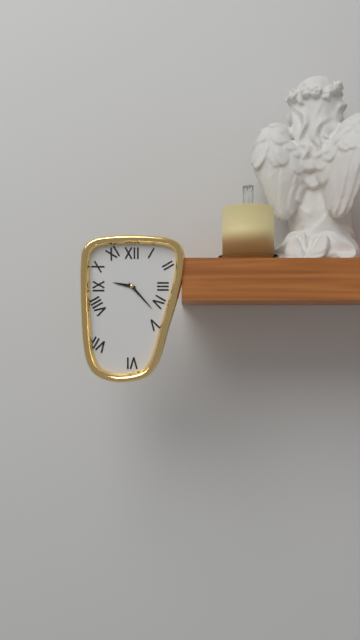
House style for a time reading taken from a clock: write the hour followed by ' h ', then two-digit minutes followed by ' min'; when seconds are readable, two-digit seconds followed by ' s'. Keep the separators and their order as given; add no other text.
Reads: 9 h 23 min
